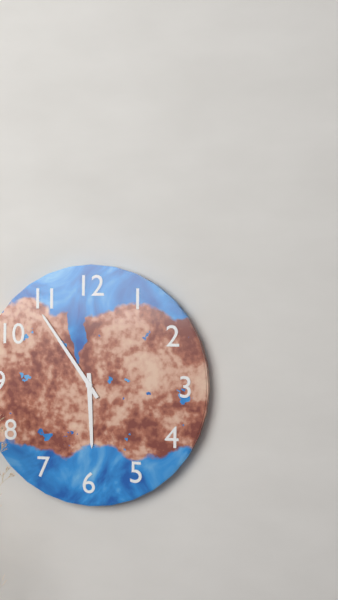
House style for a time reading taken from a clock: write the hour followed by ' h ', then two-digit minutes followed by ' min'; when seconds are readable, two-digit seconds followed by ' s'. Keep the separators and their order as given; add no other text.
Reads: 5 h 54 min
